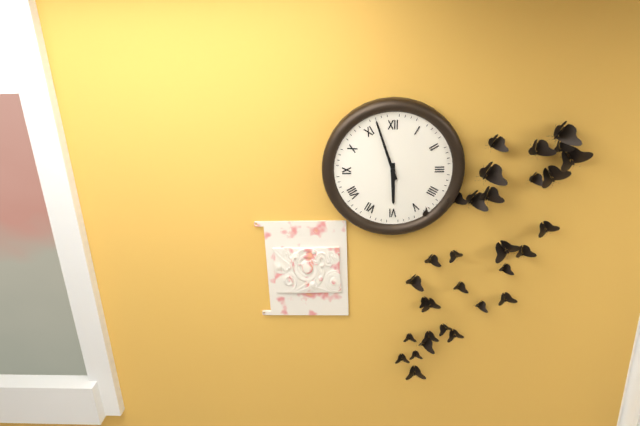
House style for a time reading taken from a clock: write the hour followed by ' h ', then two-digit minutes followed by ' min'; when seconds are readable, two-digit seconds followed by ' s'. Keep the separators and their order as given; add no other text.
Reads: 5 h 57 min
